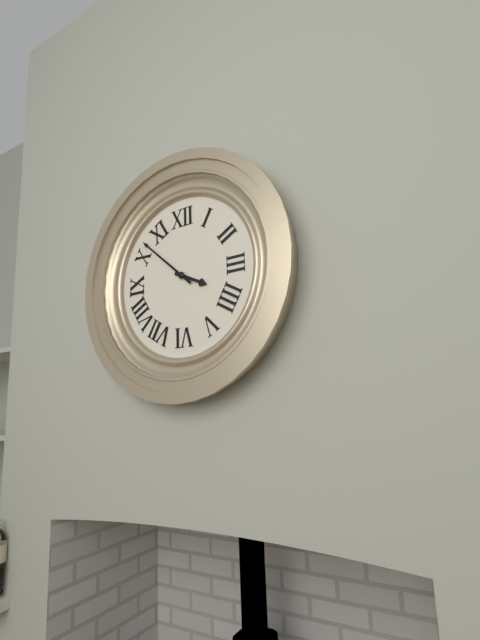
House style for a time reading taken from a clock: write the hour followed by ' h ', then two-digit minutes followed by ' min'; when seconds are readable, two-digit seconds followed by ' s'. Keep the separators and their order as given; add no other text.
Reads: 3 h 52 min
